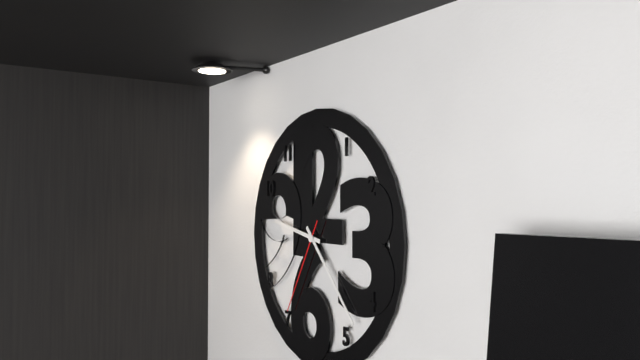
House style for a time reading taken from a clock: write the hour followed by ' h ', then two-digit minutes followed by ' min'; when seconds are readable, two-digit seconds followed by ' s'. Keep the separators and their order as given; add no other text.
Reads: 9 h 23 min 35 s
